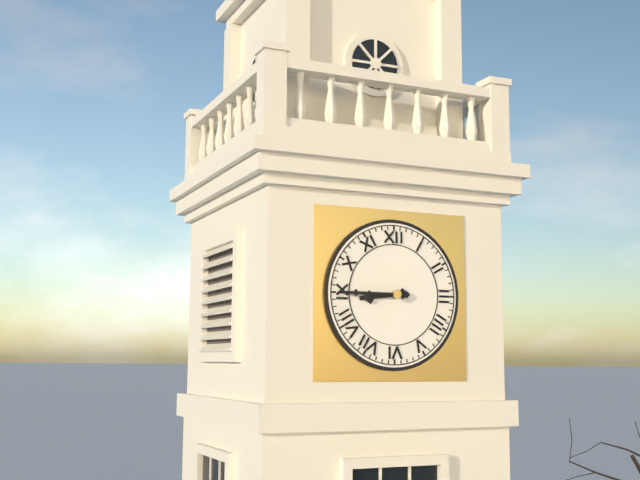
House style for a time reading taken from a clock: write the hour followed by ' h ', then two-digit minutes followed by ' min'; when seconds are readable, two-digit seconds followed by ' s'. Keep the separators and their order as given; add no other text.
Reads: 8 h 45 min
